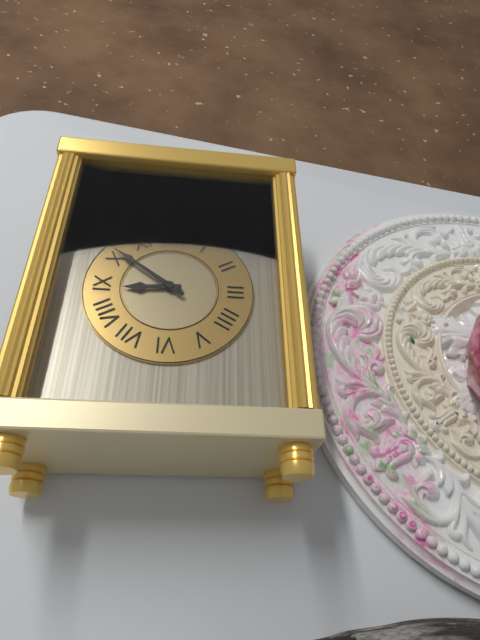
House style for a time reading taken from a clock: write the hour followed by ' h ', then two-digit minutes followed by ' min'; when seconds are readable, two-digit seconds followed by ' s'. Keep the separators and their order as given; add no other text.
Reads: 8 h 51 min
